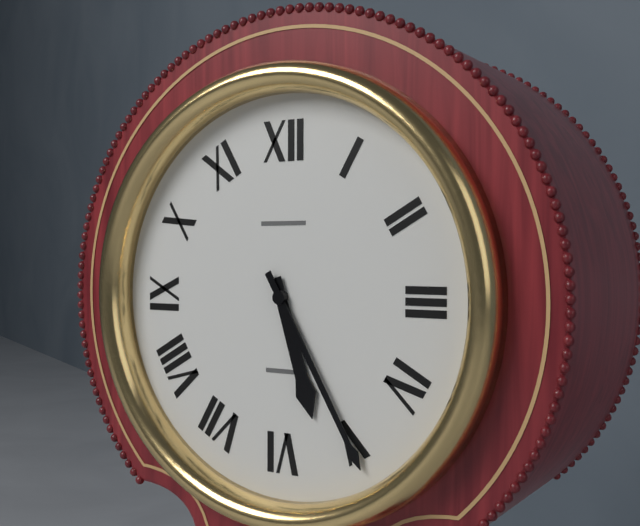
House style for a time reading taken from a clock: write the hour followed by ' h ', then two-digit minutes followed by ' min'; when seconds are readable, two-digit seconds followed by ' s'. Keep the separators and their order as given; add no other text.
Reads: 5 h 25 min
